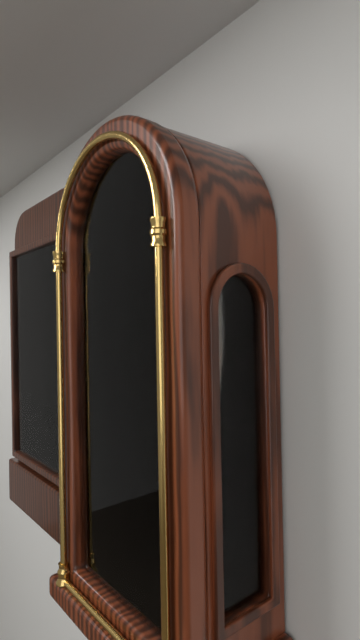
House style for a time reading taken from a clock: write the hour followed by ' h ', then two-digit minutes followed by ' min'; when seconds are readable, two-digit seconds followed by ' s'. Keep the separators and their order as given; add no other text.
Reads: 8 h 28 min
